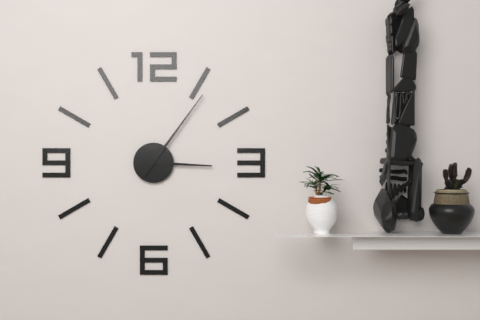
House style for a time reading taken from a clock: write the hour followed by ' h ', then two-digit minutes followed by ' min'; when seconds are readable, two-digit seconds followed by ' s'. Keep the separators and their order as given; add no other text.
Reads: 3 h 06 min
